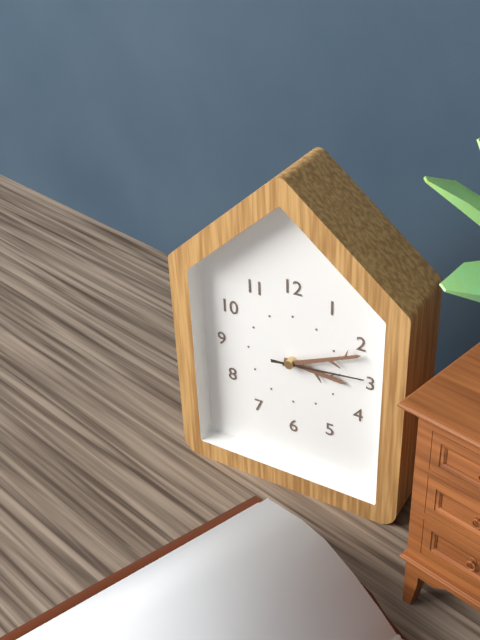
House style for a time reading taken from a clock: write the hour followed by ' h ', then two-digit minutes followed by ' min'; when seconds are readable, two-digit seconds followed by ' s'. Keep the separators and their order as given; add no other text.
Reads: 3 h 11 min 14 s
